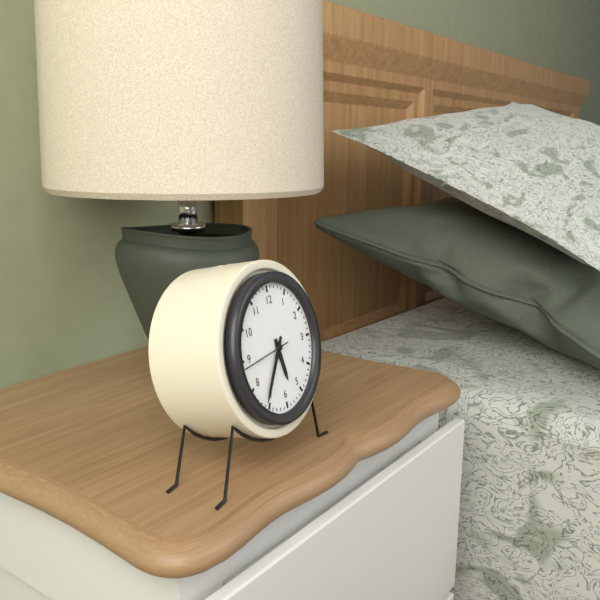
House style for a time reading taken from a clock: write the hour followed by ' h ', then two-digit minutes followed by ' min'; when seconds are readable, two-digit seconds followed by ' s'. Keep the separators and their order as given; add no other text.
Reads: 5 h 36 min 44 s
